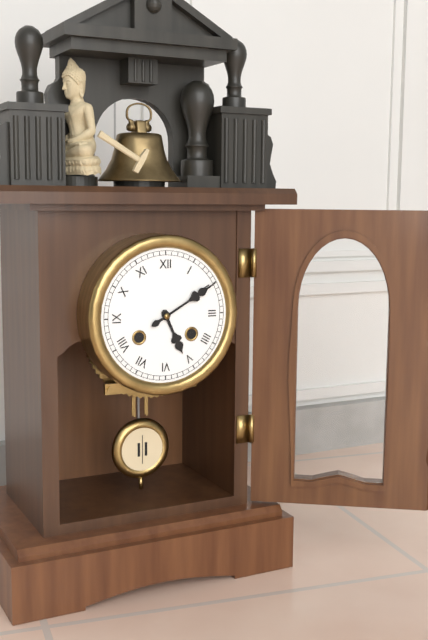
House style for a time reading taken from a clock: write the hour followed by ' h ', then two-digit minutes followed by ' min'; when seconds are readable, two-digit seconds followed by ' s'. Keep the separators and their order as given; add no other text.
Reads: 5 h 10 min
